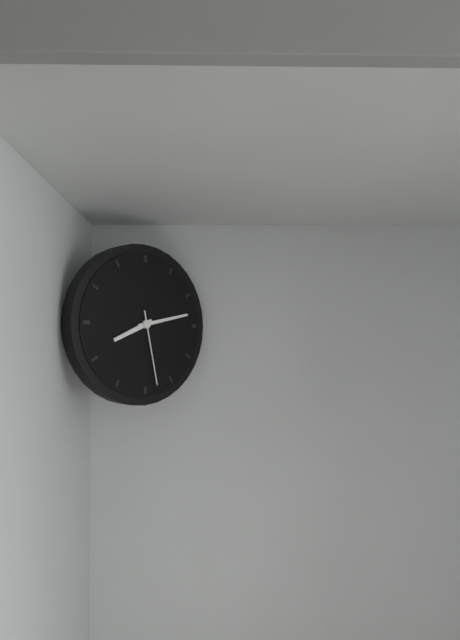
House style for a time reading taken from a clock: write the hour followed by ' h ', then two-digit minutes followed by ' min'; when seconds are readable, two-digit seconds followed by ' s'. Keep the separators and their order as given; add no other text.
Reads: 8 h 13 min 28 s
